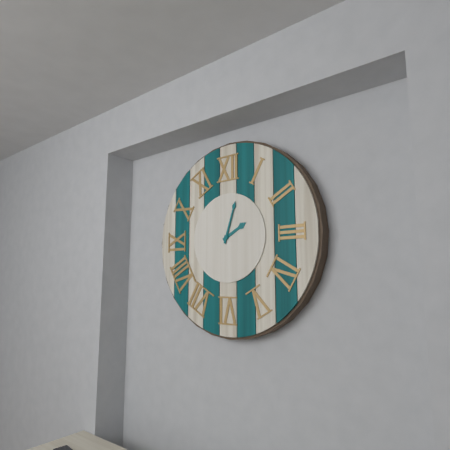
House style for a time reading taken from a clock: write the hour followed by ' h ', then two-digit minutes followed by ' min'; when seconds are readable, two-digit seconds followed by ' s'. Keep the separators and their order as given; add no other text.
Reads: 2 h 03 min
